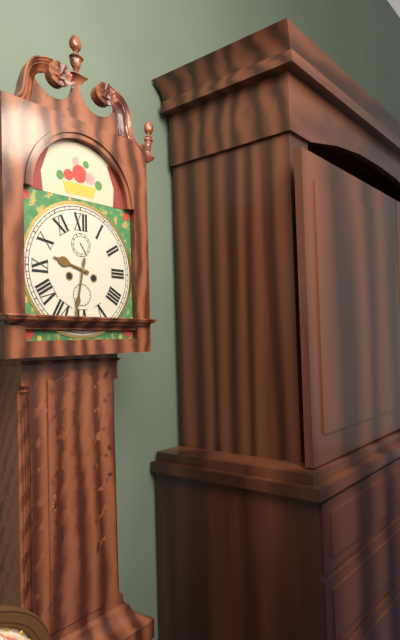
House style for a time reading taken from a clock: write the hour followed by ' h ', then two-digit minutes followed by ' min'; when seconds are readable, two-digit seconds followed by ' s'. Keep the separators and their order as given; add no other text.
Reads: 9 h 32 min
